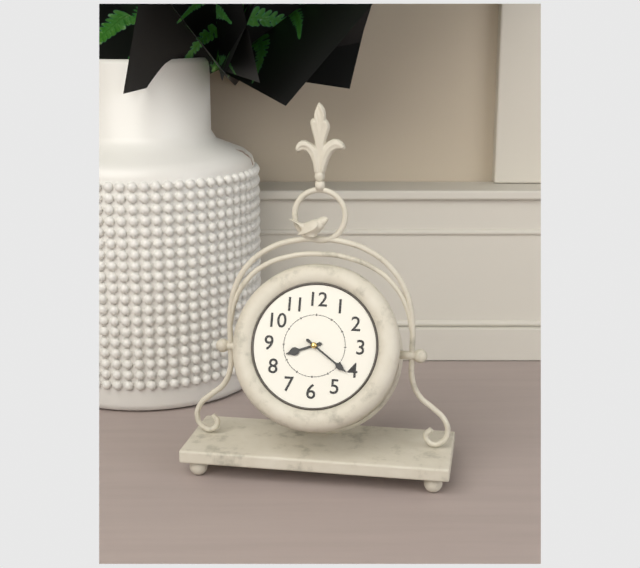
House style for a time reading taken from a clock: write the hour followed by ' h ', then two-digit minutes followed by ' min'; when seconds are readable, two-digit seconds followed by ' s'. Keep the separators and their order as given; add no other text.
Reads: 8 h 21 min
